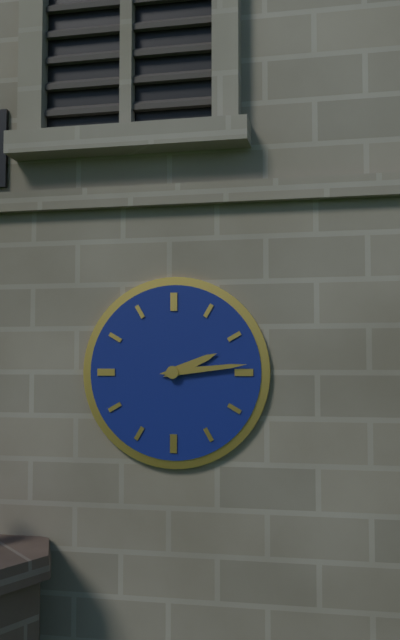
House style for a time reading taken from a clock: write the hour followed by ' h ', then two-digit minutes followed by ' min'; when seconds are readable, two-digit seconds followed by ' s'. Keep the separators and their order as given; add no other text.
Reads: 2 h 14 min
